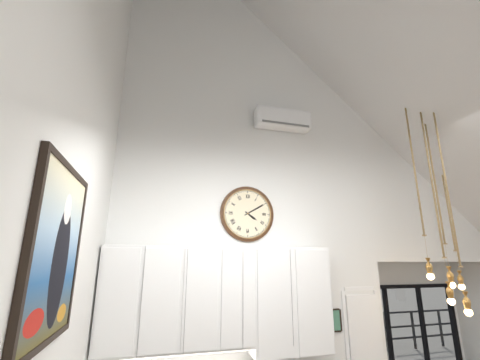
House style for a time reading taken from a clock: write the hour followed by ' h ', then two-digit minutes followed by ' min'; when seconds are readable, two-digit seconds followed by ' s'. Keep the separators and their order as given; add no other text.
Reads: 4 h 10 min
